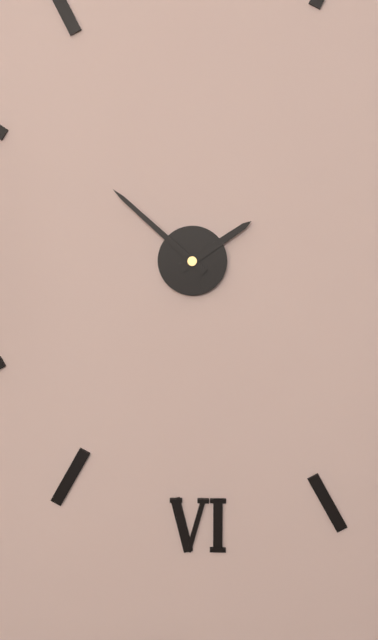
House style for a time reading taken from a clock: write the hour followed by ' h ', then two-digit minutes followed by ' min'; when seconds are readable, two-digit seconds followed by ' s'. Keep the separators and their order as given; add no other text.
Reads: 1 h 52 min
